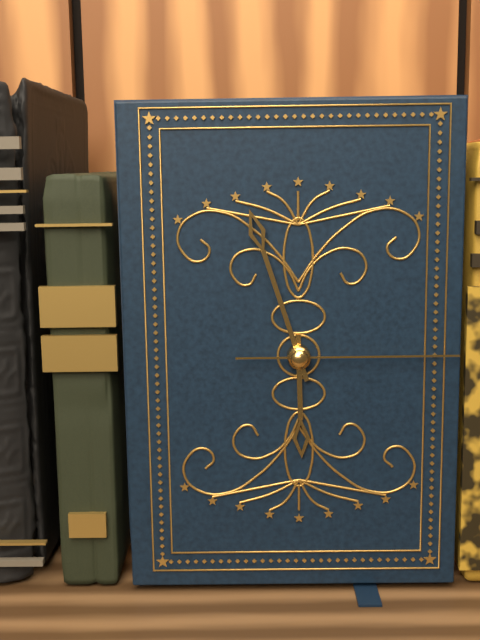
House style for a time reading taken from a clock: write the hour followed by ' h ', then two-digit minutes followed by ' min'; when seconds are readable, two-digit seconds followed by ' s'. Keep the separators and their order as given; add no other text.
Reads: 5 h 57 min 15 s
